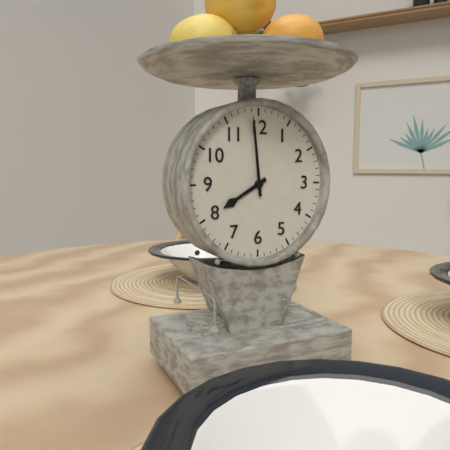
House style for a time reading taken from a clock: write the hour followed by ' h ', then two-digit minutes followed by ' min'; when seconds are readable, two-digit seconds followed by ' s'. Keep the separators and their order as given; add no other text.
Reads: 7 h 59 min
